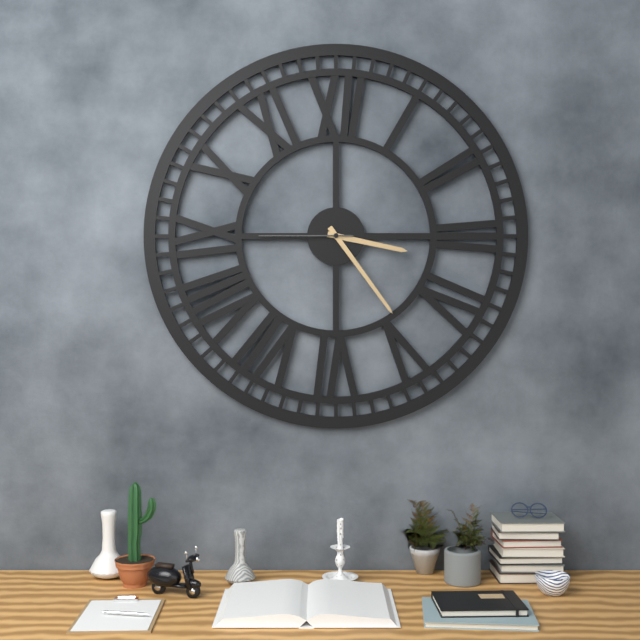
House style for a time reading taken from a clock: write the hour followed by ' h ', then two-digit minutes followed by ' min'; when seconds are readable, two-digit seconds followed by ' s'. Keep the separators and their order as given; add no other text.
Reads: 3 h 24 min 45 s
